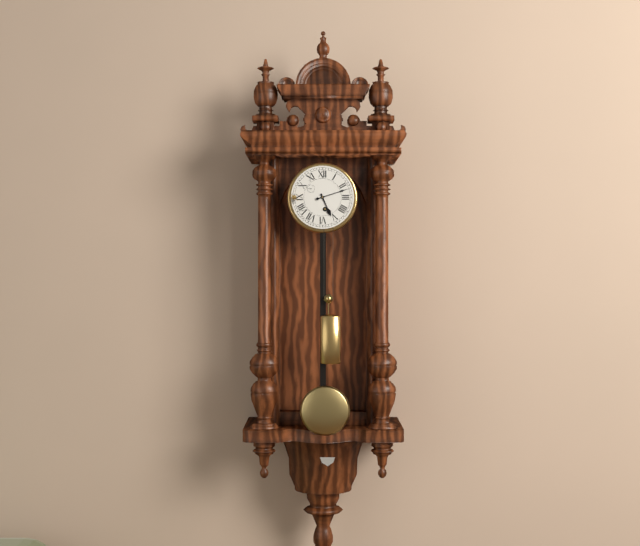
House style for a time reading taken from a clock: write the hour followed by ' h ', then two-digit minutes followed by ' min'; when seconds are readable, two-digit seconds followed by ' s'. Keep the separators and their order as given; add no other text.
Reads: 5 h 12 min
